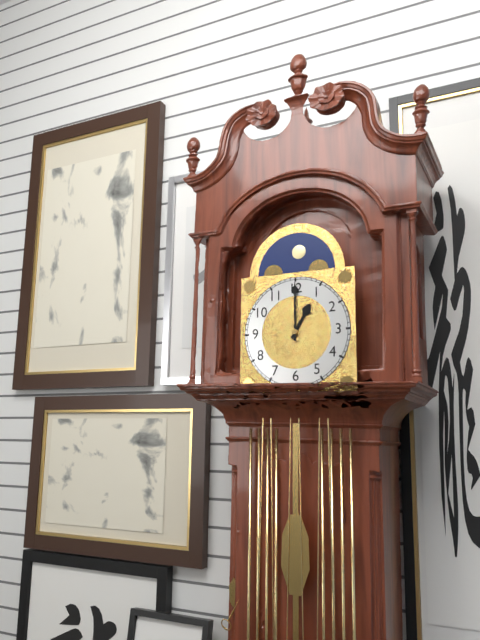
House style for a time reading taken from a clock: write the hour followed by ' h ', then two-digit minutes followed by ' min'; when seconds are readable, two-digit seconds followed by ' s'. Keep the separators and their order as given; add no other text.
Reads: 1 h 00 min
